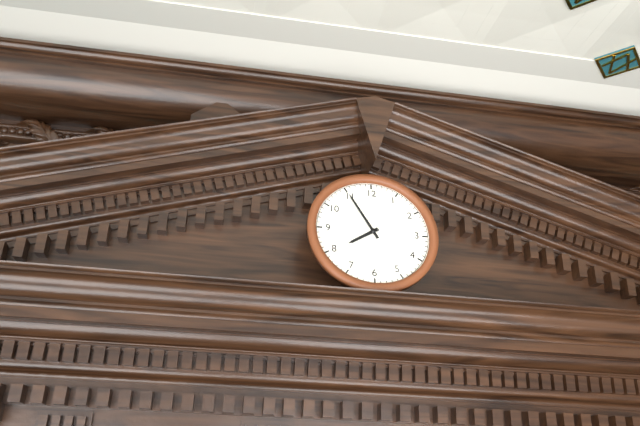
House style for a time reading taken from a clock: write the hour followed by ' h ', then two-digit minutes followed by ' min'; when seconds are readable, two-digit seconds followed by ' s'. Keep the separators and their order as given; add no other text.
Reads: 7 h 55 min
